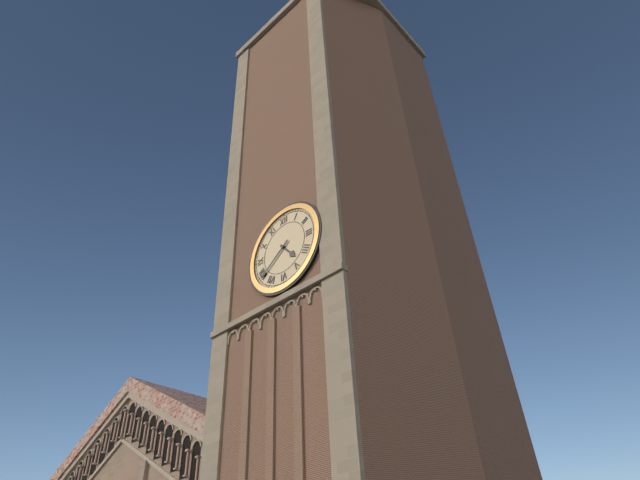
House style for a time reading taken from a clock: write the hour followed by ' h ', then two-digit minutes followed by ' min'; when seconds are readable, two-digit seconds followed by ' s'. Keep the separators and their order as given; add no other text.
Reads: 4 h 39 min
